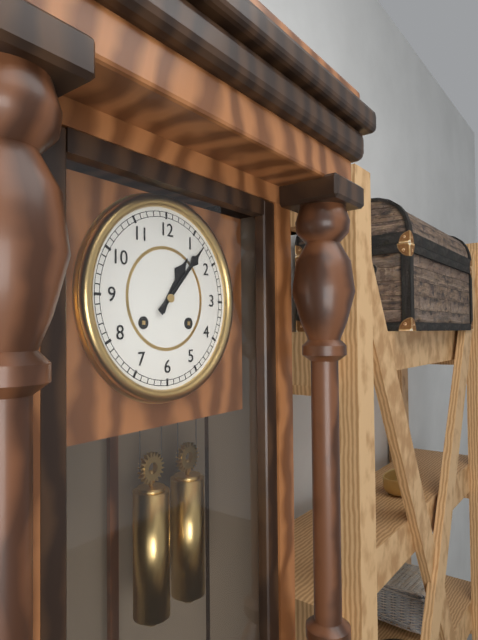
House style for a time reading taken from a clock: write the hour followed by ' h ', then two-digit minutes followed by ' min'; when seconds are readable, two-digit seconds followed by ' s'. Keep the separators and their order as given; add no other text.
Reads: 1 h 07 min
